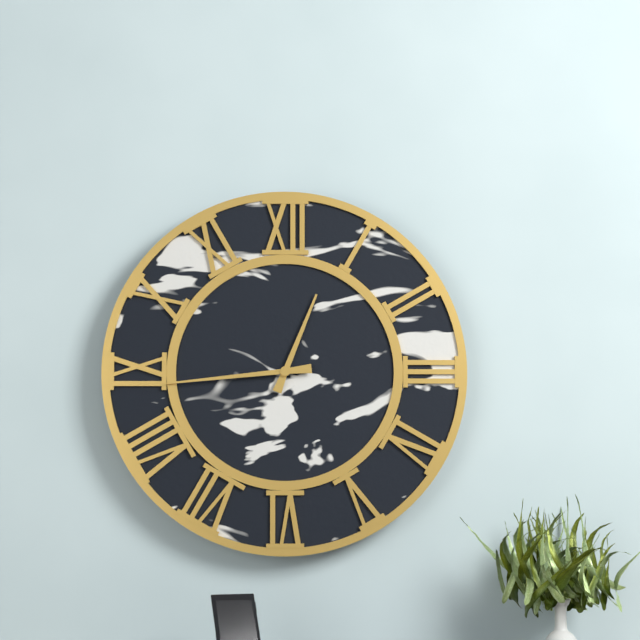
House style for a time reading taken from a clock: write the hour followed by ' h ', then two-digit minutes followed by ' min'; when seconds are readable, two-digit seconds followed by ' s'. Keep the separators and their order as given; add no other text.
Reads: 12 h 44 min
